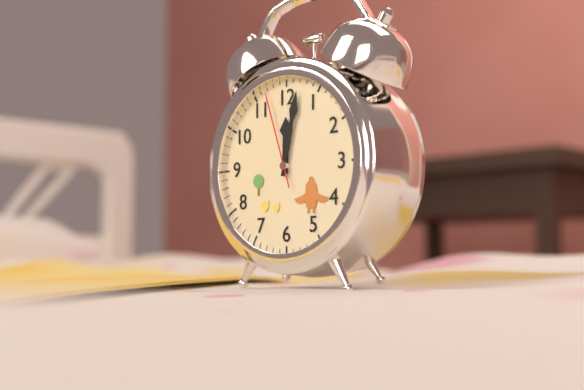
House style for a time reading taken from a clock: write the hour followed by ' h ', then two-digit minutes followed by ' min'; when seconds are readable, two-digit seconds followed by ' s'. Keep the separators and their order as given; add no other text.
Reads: 12 h 02 min 57 s
